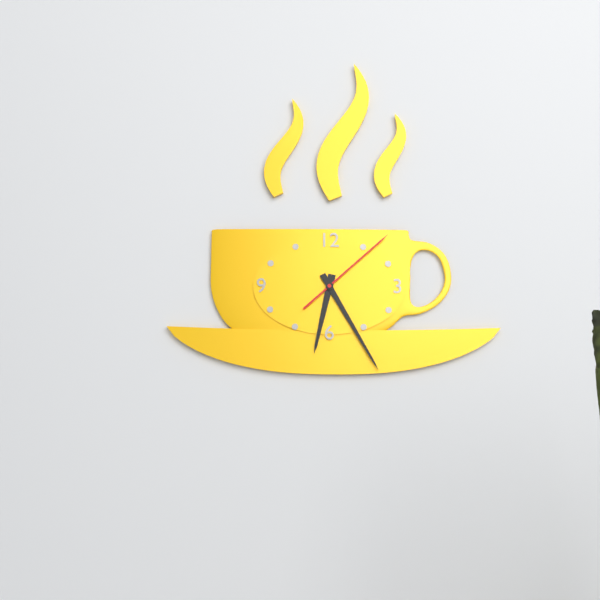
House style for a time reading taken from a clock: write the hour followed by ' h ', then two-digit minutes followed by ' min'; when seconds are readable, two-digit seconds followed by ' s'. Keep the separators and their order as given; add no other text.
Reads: 6 h 25 min 08 s
